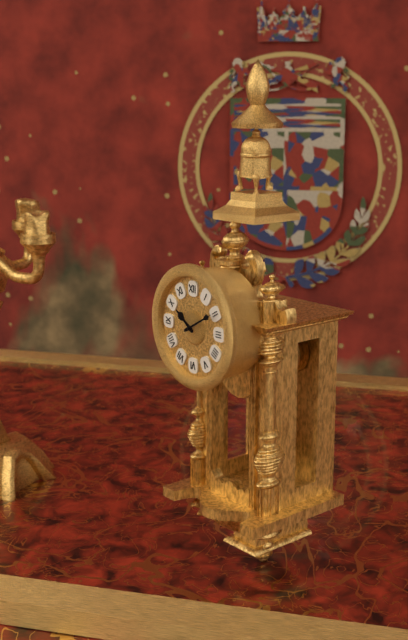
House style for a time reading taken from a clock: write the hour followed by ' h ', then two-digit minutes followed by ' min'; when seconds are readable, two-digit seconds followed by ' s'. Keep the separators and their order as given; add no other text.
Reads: 10 h 10 min
